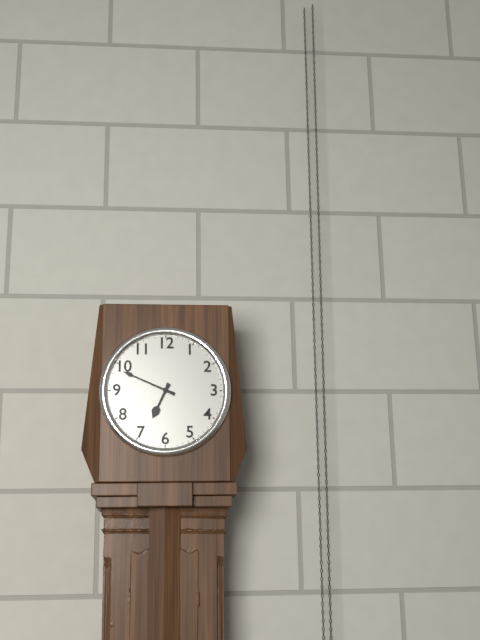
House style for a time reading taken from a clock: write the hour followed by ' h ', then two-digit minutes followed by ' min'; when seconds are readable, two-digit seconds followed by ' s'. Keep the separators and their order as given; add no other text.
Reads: 6 h 49 min
